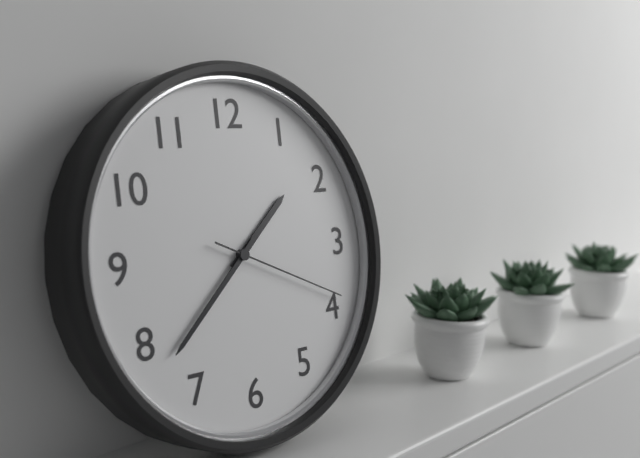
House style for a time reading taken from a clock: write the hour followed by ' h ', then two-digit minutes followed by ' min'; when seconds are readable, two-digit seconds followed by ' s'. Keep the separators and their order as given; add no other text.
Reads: 1 h 38 min 19 s
